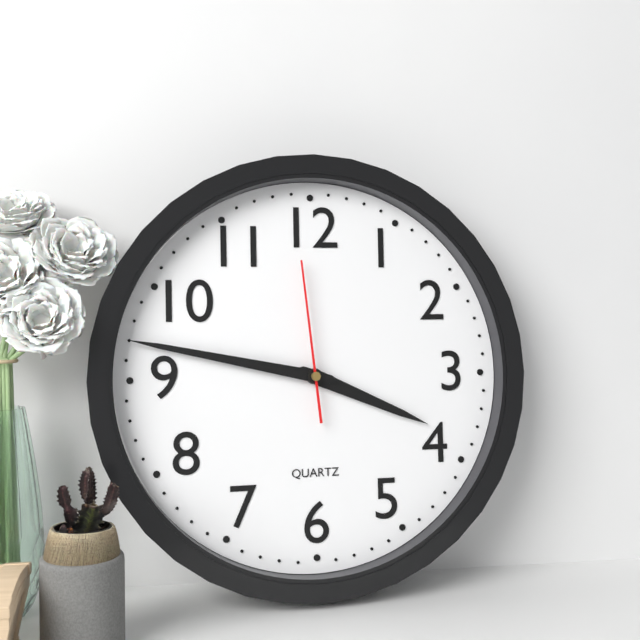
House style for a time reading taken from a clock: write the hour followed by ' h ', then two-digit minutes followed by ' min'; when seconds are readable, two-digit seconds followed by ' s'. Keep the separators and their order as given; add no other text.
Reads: 3 h 47 min 59 s
